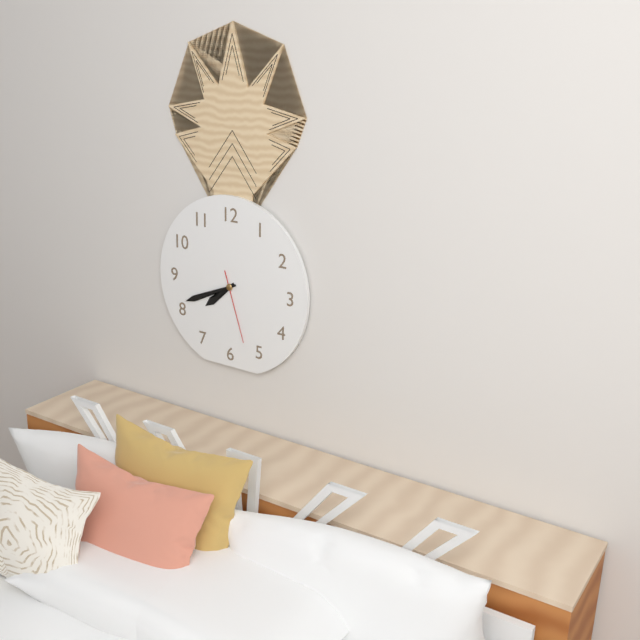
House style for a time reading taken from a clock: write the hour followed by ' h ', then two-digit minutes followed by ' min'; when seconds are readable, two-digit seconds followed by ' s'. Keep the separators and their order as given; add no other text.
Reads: 7 h 41 min 27 s
